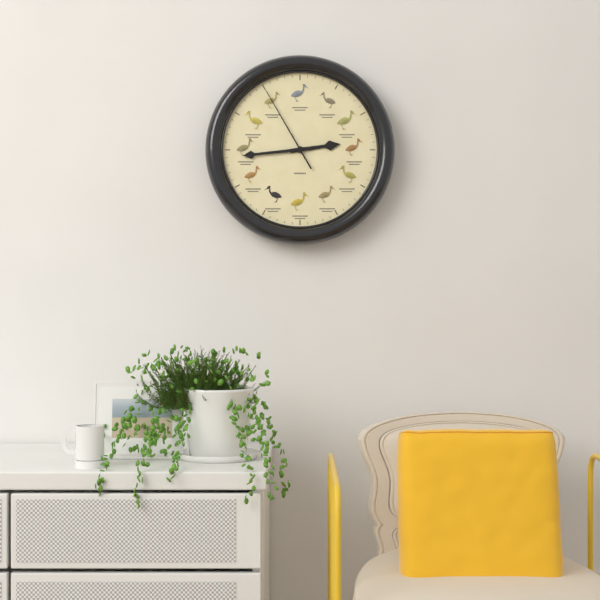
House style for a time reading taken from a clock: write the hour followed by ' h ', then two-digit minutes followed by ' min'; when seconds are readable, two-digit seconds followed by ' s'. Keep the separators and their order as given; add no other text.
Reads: 2 h 44 min 55 s
